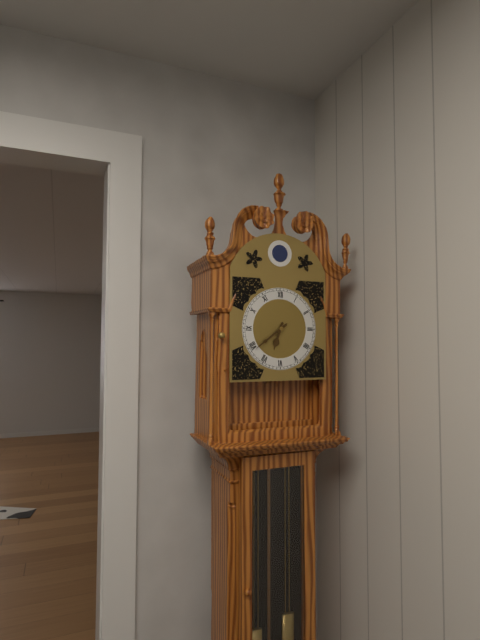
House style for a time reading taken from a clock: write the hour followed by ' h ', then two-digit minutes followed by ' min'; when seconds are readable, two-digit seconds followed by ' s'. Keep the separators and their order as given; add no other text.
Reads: 6 h 39 min
